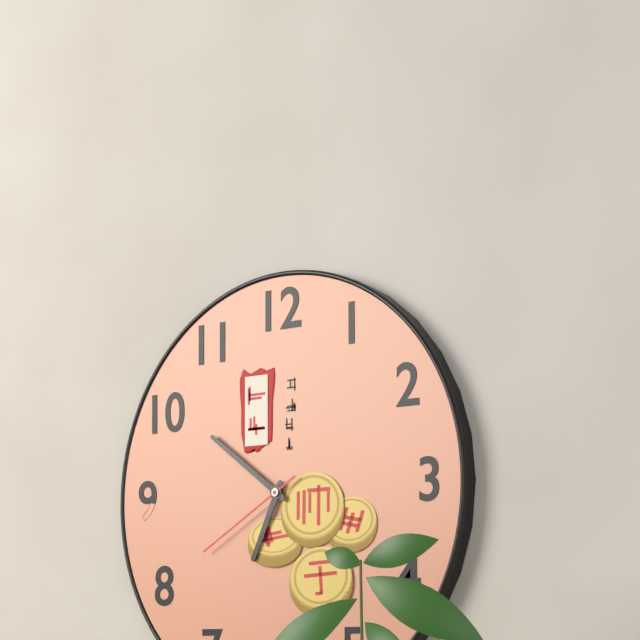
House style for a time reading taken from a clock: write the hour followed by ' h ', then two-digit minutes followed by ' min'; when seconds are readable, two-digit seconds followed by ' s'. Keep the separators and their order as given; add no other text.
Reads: 6 h 51 min 40 s
